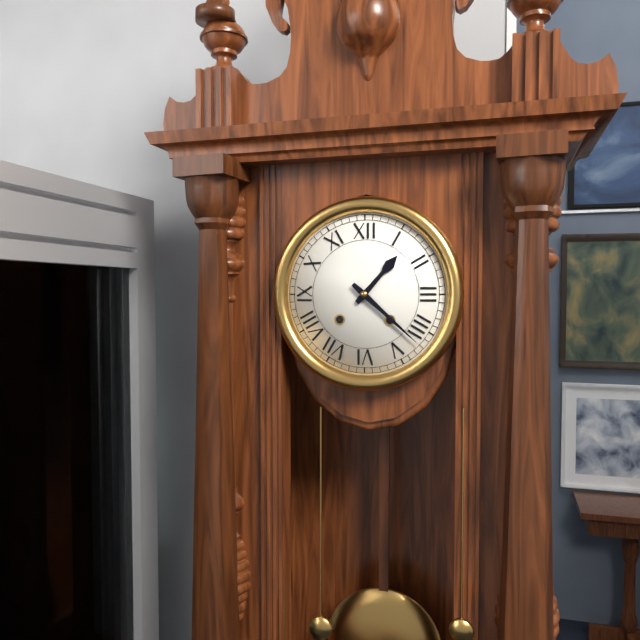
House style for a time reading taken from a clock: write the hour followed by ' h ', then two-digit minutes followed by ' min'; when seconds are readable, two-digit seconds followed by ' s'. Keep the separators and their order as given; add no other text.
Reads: 1 h 22 min
